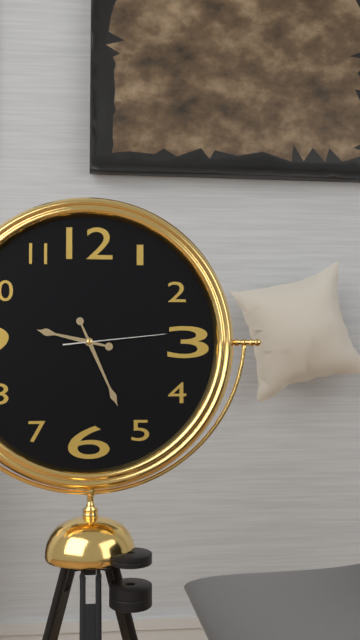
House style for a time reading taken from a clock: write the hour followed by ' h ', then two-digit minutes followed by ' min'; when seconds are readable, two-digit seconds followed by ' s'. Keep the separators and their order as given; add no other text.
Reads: 9 h 26 min 14 s
